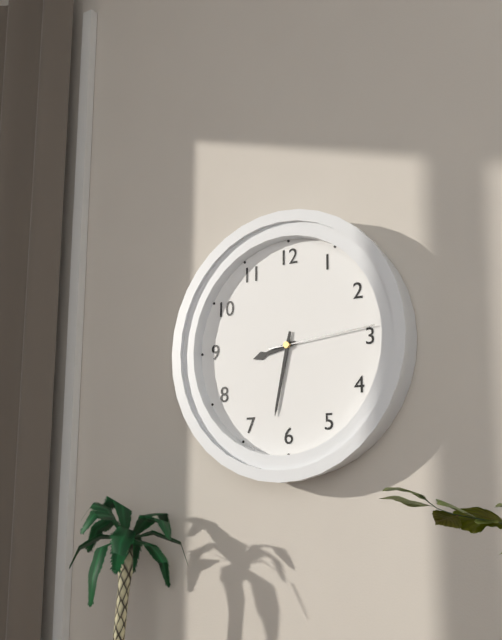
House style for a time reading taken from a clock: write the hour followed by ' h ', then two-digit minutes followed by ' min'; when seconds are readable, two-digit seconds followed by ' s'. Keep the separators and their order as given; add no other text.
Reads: 8 h 32 min 14 s
